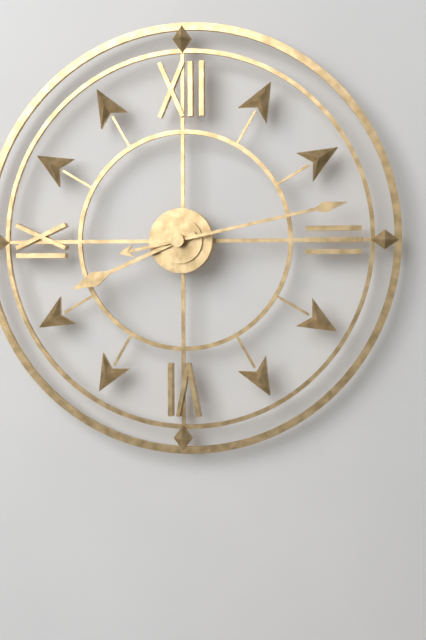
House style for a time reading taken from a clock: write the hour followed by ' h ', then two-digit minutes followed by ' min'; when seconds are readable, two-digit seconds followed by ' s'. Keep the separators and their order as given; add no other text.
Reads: 8 h 13 min
